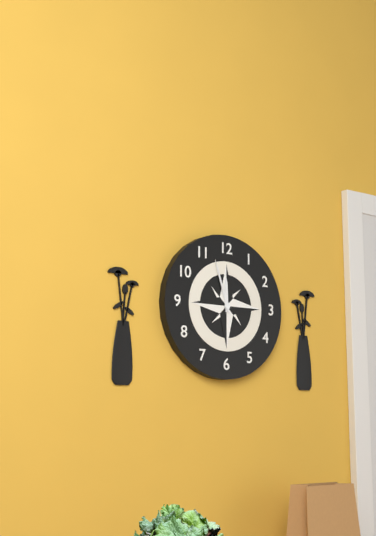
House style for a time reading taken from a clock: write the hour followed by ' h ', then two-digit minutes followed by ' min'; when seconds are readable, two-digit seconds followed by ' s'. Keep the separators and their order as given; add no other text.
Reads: 11 h 57 min
